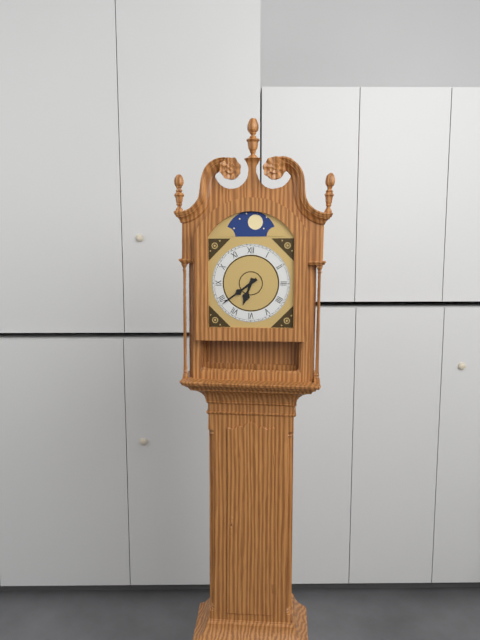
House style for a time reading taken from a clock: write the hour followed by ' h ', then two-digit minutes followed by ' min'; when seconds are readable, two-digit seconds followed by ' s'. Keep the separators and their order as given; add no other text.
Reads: 6 h 39 min
